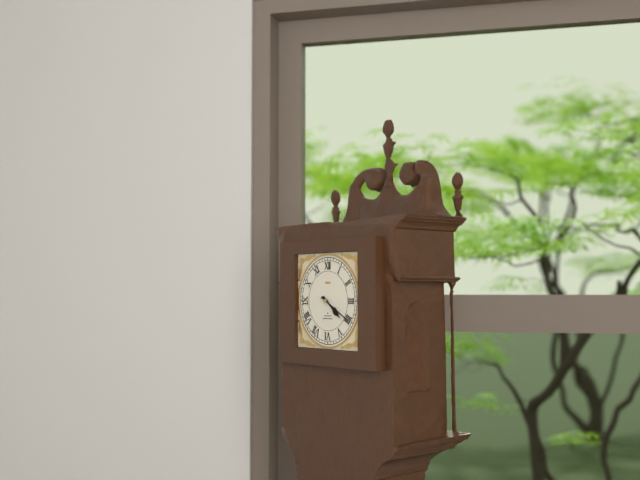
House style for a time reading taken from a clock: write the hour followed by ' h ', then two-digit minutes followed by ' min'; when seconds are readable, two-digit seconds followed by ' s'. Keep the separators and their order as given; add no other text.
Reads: 4 h 20 min
